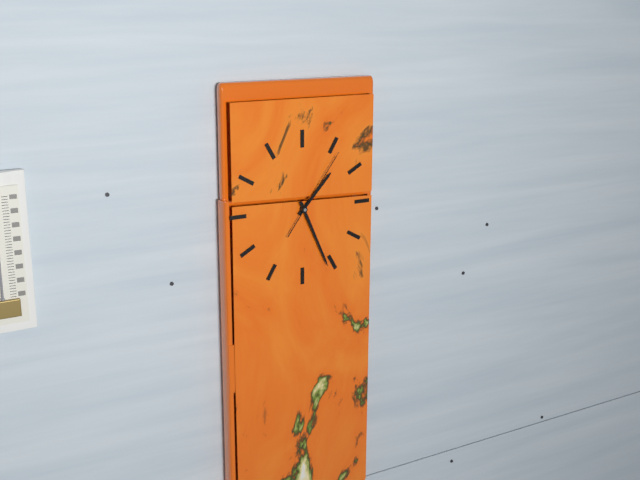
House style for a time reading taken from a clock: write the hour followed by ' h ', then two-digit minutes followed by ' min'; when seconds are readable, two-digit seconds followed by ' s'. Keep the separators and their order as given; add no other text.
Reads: 1 h 26 min 06 s
